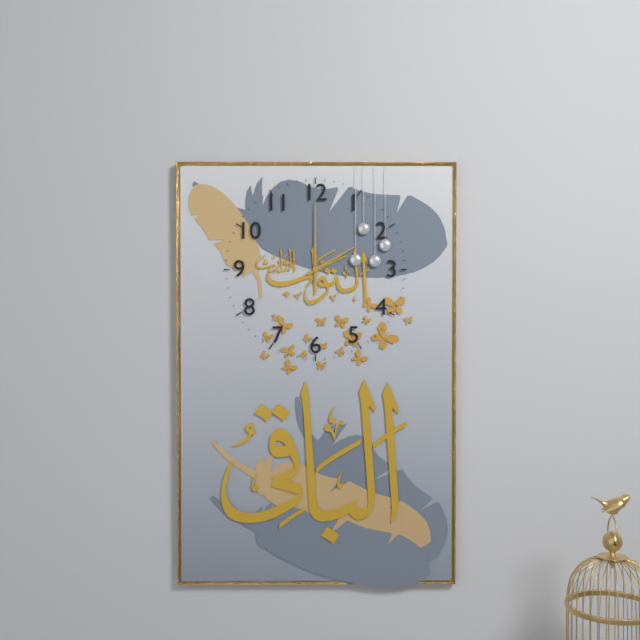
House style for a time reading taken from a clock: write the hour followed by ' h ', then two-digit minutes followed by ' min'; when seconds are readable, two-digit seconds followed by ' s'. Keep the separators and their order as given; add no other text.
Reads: 2 h 00 min
